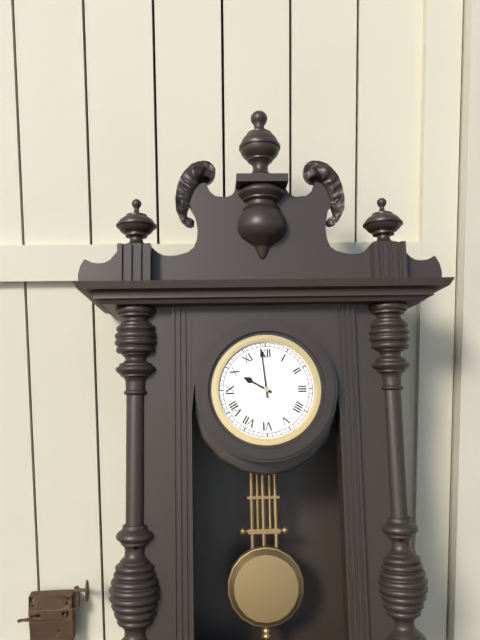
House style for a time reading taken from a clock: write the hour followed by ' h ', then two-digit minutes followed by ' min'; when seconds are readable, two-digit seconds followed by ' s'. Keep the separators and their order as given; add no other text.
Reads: 9 h 59 min
